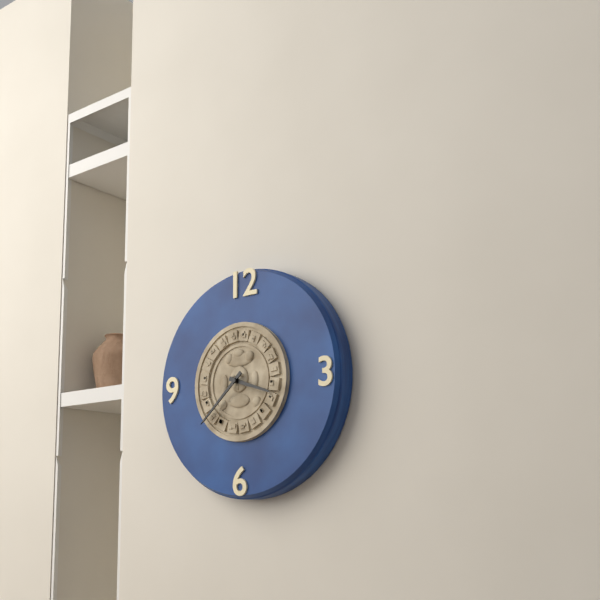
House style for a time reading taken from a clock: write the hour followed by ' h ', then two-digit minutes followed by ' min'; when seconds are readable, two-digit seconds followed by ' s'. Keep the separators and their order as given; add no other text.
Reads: 3 h 38 min
